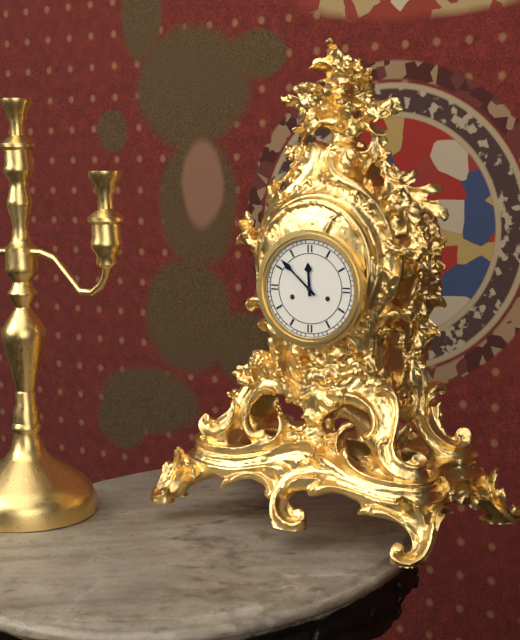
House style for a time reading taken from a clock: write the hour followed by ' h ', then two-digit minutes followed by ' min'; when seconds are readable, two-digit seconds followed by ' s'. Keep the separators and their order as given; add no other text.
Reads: 11 h 52 min
